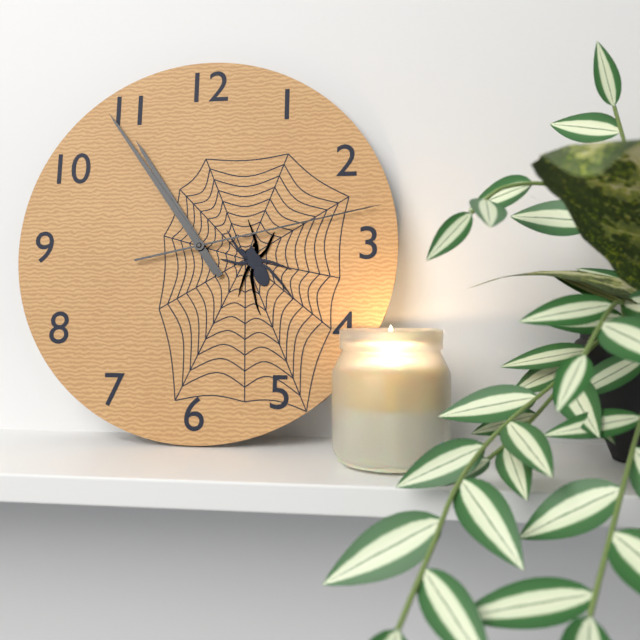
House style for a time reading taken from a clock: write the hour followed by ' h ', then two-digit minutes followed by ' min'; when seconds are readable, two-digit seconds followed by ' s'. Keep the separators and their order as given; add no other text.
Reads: 10 h 54 min 13 s
